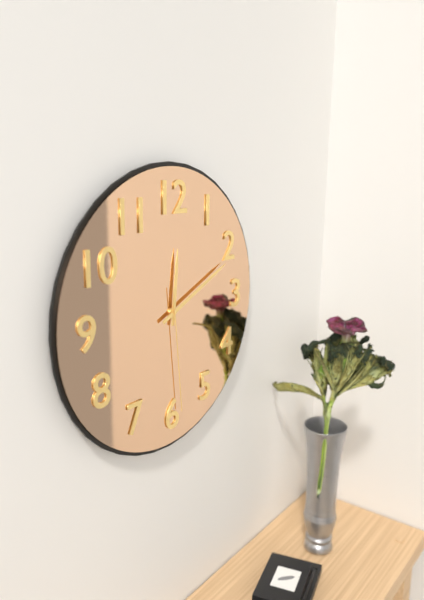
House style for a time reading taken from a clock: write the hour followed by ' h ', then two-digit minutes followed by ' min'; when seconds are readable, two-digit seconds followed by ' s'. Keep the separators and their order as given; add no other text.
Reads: 12 h 11 min 29 s
